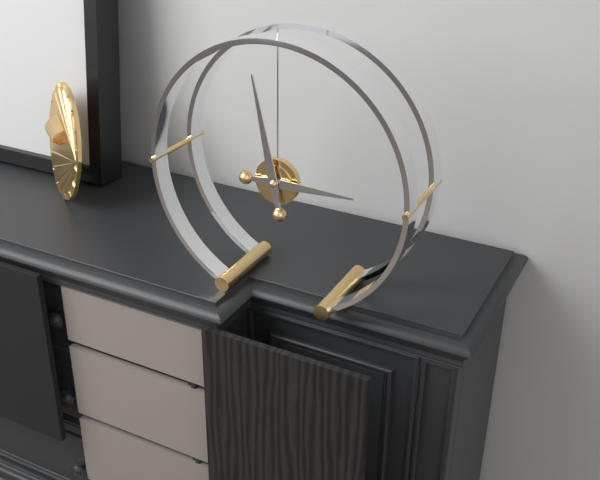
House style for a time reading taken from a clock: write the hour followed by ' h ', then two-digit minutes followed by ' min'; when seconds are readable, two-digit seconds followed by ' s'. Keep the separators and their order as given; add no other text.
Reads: 2 h 58 min
